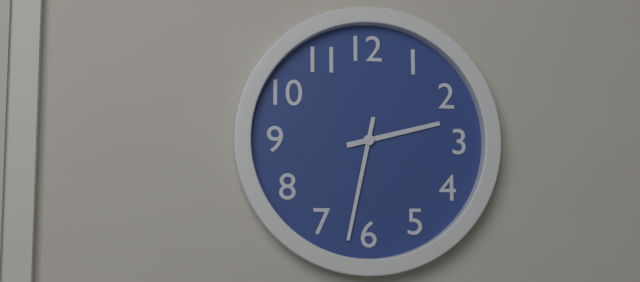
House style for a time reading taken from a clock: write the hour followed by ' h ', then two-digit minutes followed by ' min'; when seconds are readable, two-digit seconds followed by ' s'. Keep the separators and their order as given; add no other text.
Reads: 2 h 32 min
